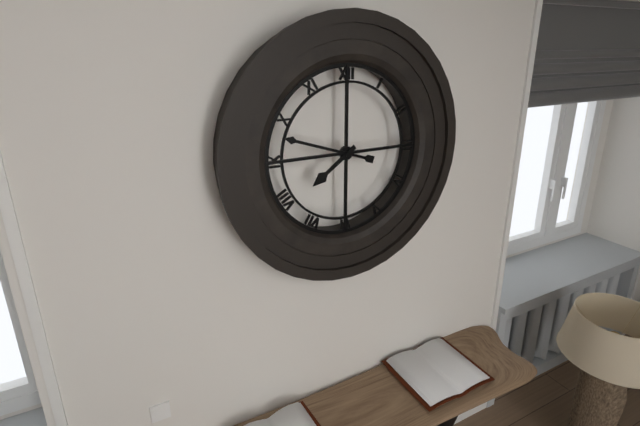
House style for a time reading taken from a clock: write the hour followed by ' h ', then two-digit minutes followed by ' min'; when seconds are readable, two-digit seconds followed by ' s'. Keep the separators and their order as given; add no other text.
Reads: 7 h 48 min
